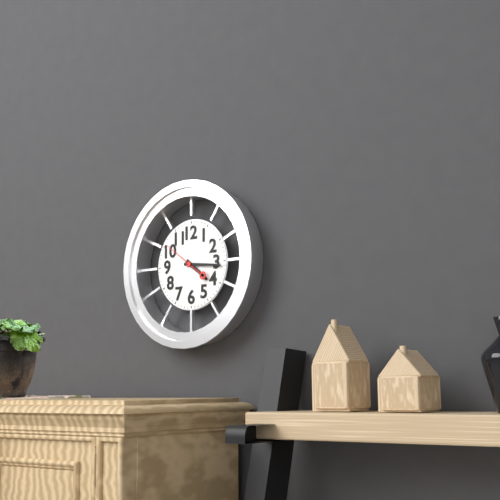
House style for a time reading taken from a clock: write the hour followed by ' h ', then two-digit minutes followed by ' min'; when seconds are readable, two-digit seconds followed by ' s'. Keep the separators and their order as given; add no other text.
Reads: 4 h 16 min
